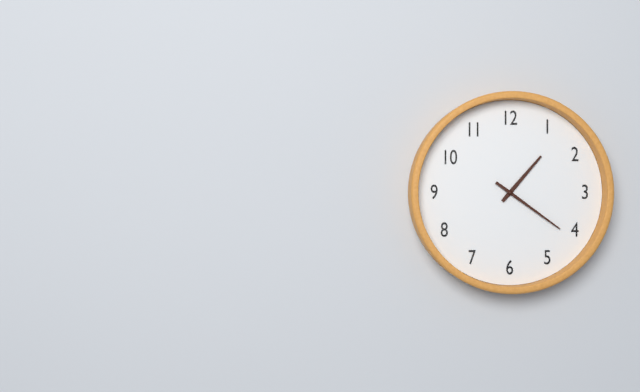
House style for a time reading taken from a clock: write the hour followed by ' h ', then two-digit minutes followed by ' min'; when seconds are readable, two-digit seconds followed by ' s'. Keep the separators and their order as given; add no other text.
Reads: 1 h 21 min
